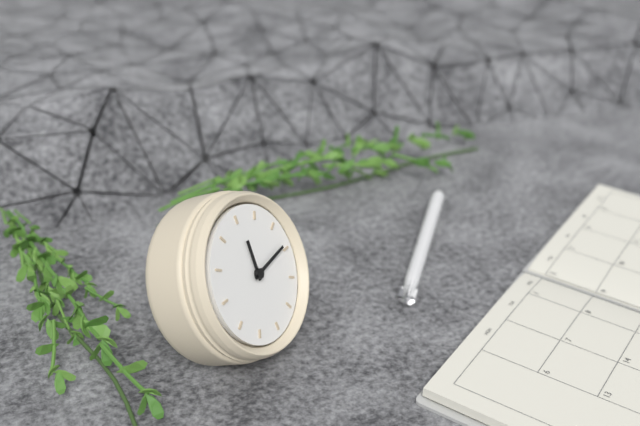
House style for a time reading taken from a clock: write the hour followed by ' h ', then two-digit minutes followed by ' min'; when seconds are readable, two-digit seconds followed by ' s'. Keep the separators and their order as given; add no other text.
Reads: 11 h 09 min
